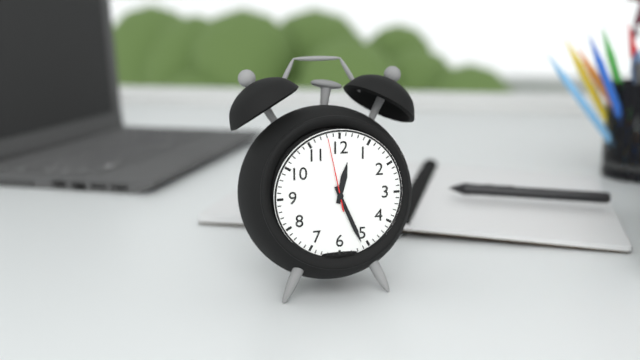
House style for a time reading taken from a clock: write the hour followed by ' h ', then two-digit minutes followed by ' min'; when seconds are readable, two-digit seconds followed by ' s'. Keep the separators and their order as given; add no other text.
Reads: 12 h 26 min 58 s
